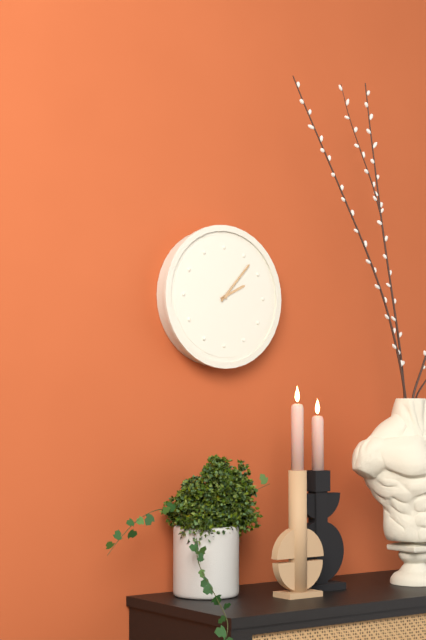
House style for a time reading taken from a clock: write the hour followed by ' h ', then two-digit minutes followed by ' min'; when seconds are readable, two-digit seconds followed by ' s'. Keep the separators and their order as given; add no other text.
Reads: 2 h 07 min
